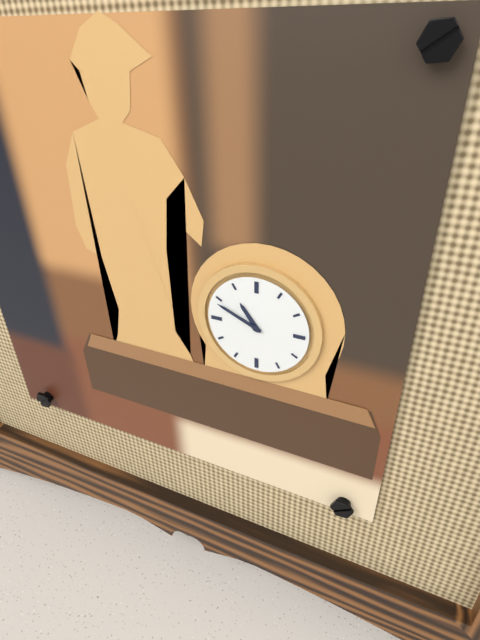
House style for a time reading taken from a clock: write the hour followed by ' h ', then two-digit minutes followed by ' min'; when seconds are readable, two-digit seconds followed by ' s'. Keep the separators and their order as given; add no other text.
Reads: 10 h 49 min
